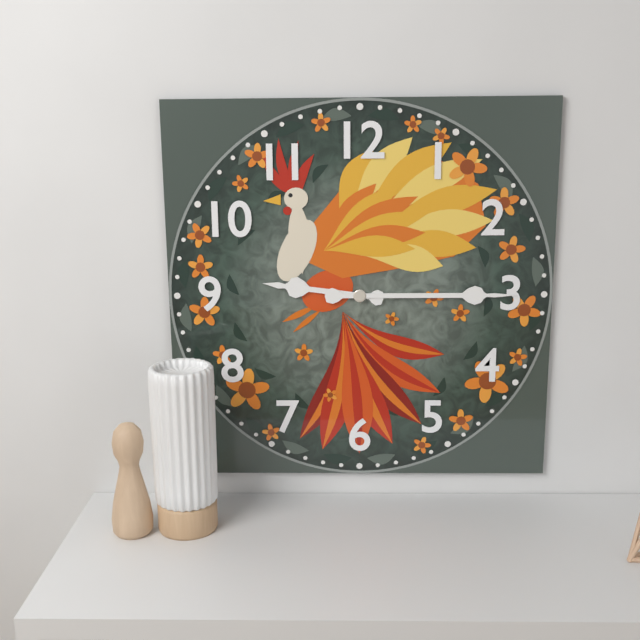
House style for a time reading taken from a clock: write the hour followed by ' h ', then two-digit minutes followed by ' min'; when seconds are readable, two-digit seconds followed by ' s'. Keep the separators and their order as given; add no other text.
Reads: 9 h 15 min
